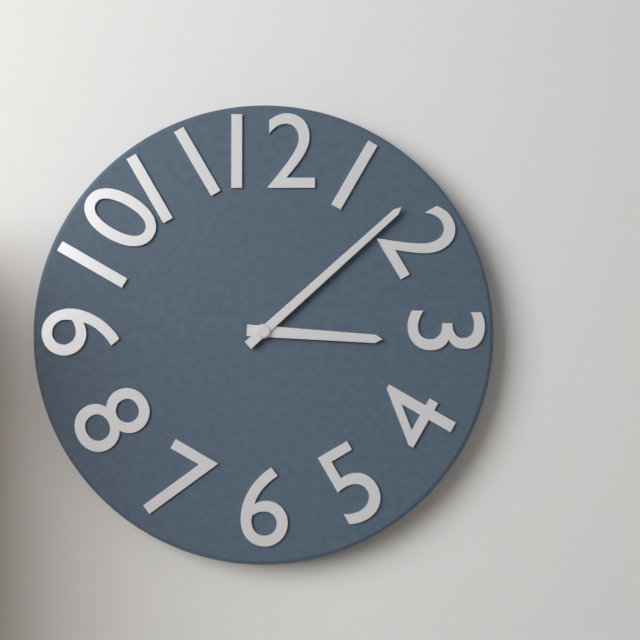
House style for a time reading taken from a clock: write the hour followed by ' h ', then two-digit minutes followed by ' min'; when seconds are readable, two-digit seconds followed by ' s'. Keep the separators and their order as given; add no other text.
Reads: 3 h 08 min
